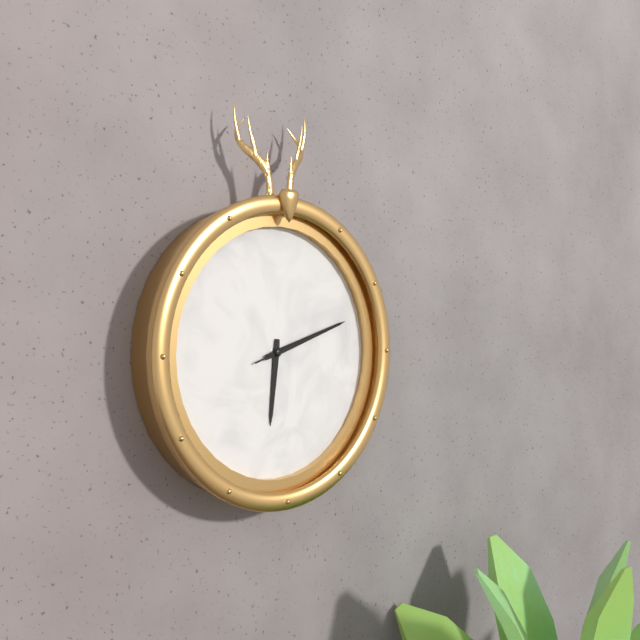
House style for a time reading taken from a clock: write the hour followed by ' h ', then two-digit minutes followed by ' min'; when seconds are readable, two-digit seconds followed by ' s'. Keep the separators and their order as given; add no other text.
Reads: 6 h 12 min 12 s
